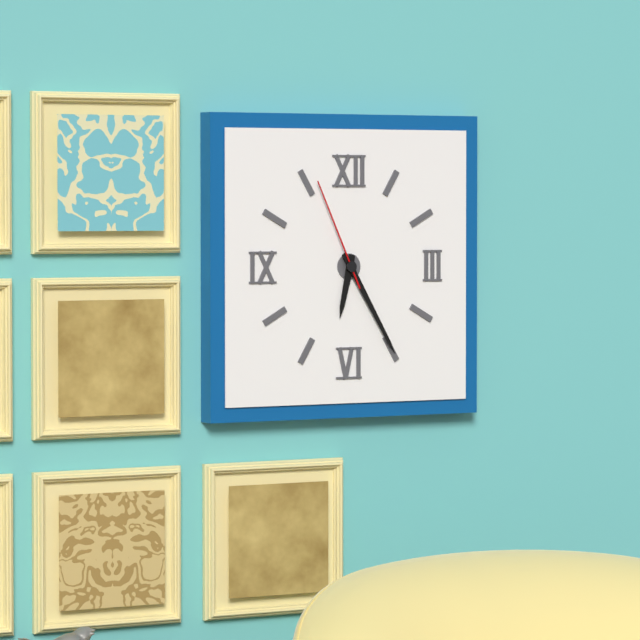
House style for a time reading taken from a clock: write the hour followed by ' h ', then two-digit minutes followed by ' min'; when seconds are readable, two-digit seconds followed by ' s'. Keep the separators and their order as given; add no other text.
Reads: 6 h 25 min 56 s
